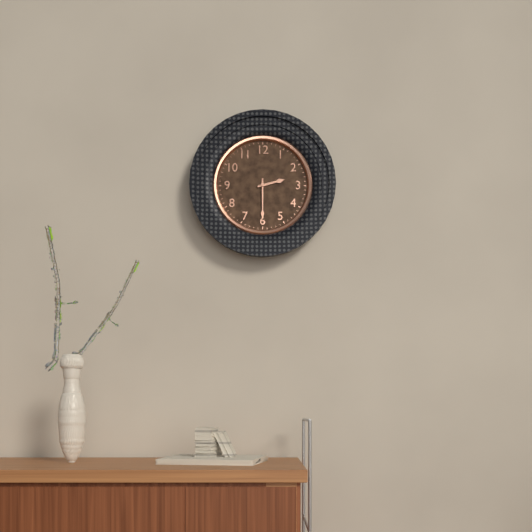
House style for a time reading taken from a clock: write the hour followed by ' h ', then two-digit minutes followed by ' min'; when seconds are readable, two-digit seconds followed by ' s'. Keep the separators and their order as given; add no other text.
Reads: 2 h 30 min
